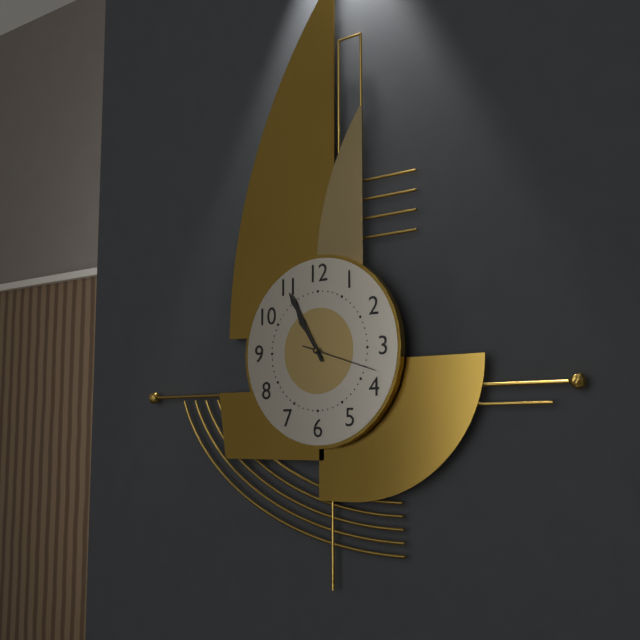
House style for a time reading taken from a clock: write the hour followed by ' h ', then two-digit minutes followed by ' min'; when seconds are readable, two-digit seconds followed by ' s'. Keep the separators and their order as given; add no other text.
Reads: 10 h 55 min 18 s
